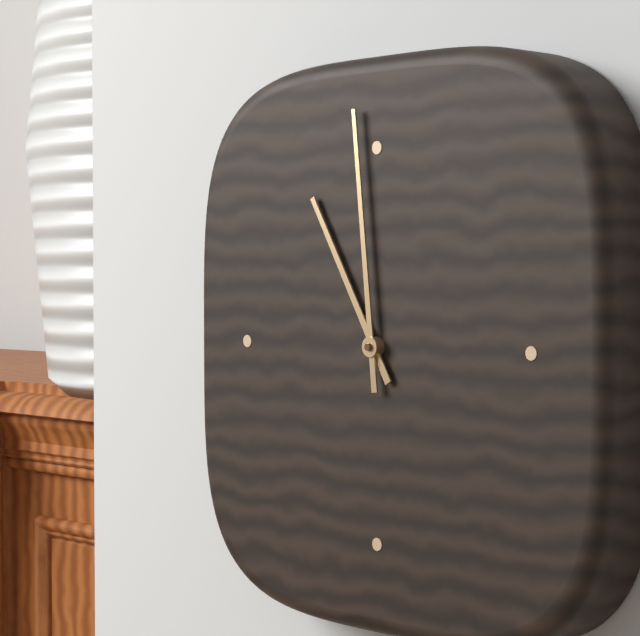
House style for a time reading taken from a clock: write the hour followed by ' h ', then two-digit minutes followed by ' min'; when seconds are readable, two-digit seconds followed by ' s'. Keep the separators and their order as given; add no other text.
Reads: 10 h 59 min
